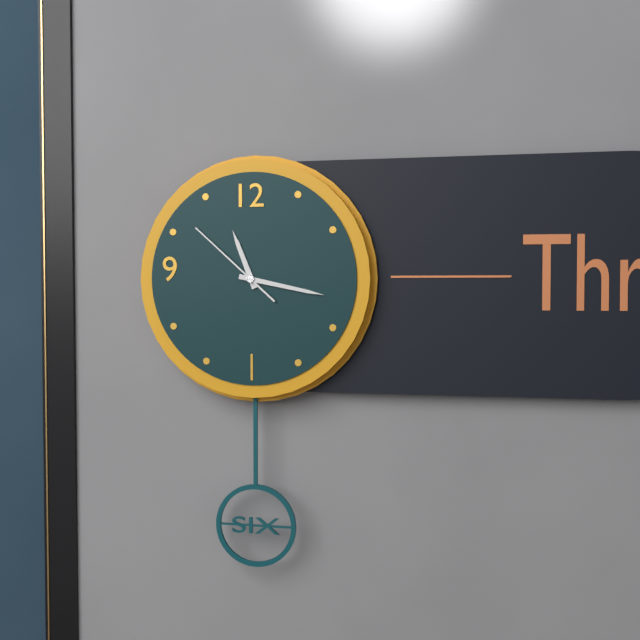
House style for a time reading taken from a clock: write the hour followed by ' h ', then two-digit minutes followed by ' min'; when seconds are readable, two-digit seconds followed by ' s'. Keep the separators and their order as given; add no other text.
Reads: 11 h 17 min 52 s
